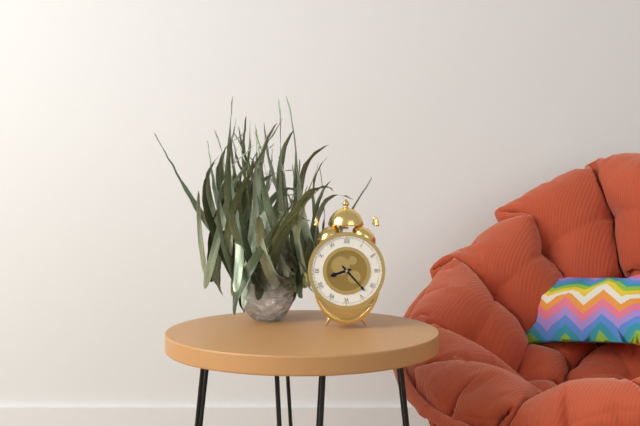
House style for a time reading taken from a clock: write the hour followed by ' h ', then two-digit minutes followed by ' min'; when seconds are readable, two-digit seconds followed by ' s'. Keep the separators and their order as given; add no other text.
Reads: 8 h 23 min
